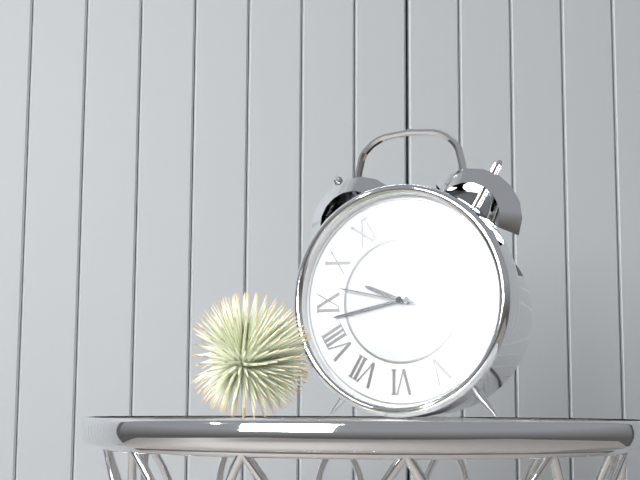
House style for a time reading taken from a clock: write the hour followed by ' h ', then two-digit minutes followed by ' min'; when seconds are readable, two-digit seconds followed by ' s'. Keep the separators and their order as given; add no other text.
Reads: 9 h 43 min 47 s
